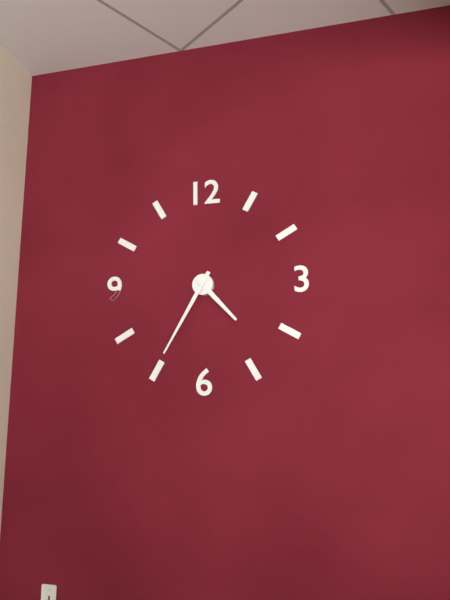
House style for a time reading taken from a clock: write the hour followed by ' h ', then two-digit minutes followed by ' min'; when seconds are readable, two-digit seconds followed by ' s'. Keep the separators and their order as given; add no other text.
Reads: 4 h 35 min
